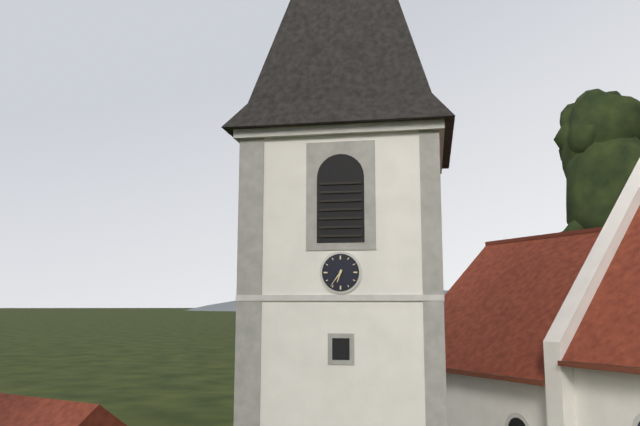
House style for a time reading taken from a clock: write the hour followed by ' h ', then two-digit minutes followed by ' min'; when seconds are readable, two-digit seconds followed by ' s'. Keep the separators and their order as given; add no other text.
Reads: 6 h 36 min
